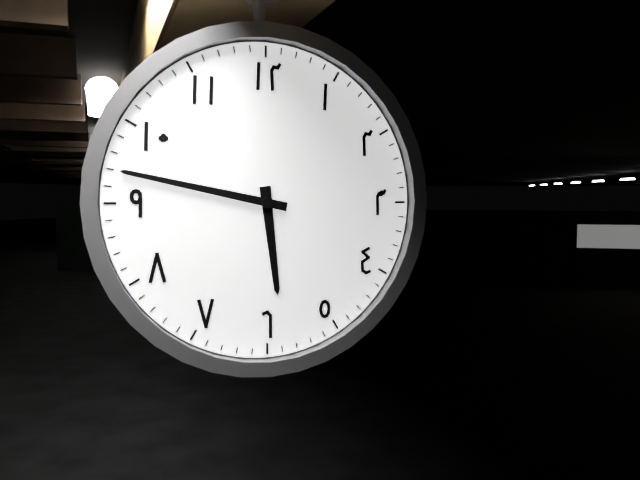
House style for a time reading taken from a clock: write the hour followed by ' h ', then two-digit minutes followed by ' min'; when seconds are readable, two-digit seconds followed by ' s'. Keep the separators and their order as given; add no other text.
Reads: 5 h 47 min
